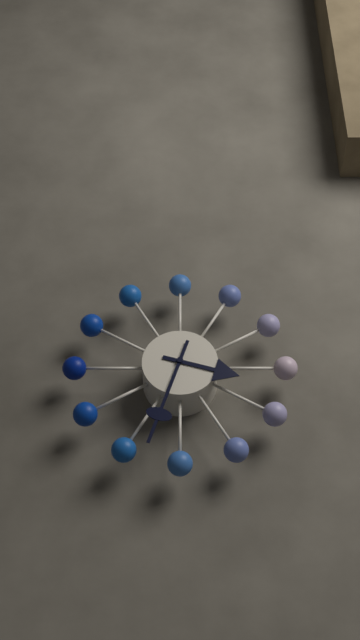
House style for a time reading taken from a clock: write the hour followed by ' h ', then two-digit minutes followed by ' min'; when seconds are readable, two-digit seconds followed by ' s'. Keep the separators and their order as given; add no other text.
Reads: 3 h 33 min
